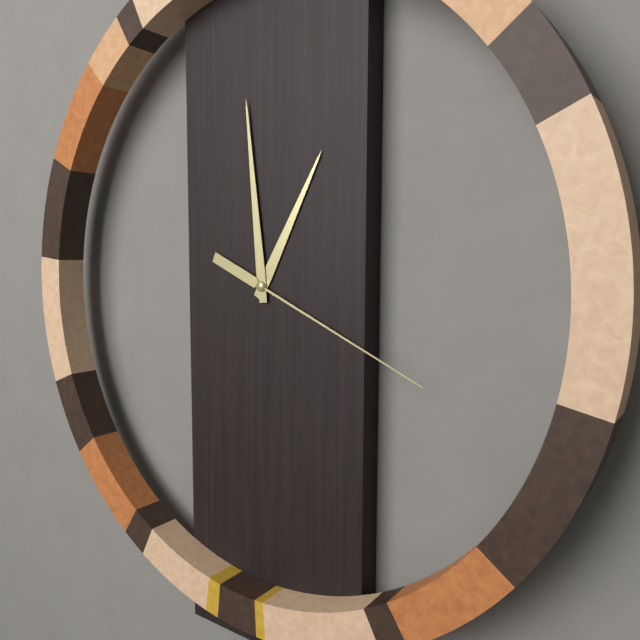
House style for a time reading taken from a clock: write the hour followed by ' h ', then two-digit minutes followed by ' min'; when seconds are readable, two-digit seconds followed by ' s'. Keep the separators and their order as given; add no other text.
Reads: 12 h 59 min 19 s
